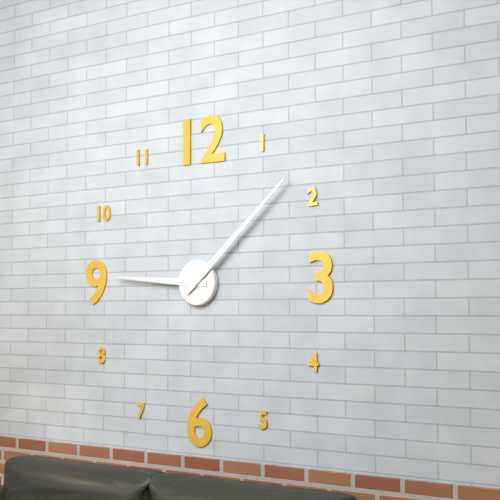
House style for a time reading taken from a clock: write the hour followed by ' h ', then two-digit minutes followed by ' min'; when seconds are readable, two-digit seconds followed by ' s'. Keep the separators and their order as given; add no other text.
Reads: 9 h 08 min
